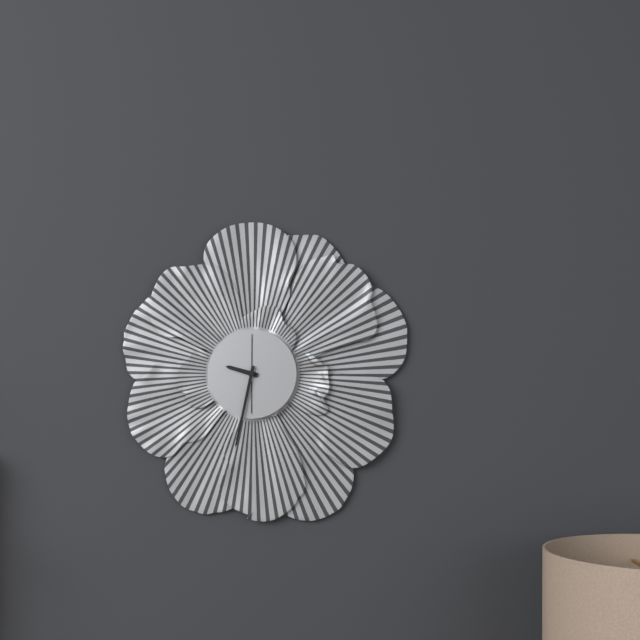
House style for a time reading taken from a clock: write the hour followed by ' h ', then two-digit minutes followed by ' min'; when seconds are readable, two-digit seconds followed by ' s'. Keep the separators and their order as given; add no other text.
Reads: 9 h 32 min
